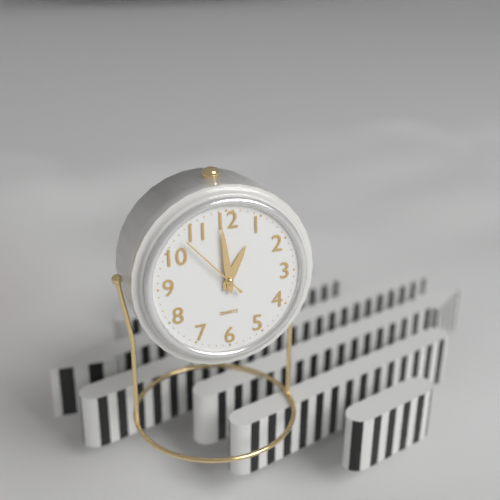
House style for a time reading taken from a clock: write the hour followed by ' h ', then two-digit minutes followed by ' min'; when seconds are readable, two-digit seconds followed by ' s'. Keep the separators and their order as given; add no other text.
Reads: 12 h 59 min 53 s
